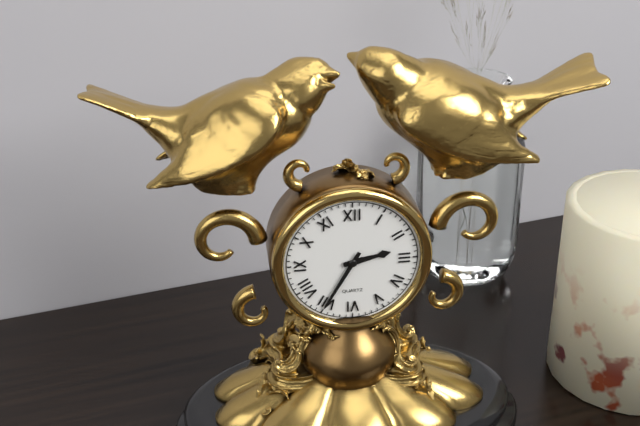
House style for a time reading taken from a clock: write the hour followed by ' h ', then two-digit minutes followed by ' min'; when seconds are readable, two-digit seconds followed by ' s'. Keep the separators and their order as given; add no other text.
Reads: 2 h 35 min
